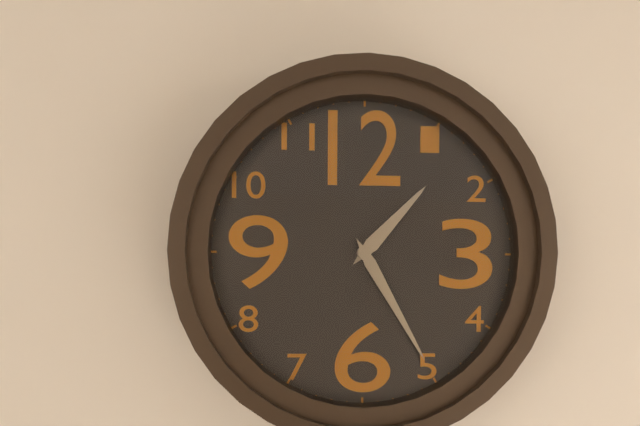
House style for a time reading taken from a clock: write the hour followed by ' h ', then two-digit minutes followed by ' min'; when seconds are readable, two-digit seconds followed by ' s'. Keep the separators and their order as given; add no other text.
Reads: 1 h 25 min
